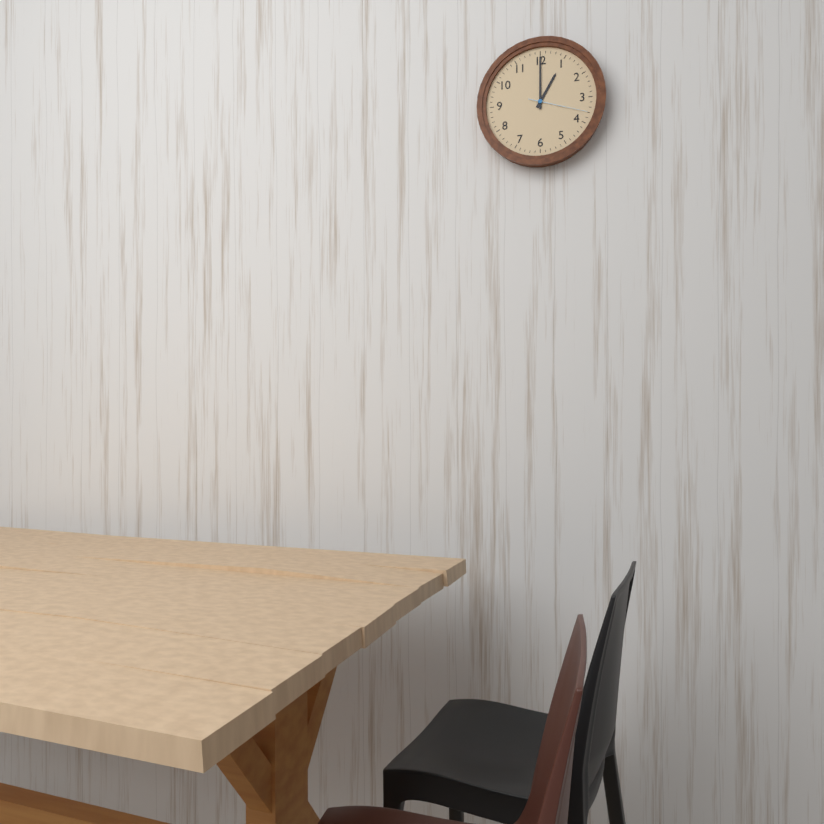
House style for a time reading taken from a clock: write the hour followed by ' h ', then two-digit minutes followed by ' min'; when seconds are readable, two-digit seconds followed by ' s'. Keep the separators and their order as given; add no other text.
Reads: 1 h 00 min 18 s
